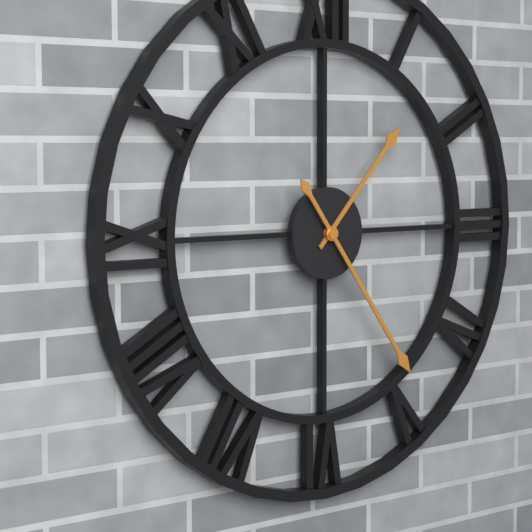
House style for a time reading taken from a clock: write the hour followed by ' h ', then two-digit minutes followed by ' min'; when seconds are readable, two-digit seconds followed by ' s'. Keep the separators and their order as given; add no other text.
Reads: 1 h 24 min
